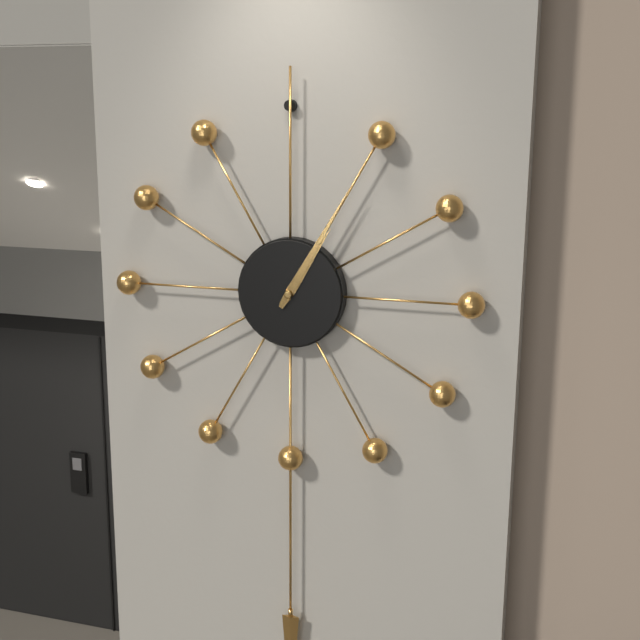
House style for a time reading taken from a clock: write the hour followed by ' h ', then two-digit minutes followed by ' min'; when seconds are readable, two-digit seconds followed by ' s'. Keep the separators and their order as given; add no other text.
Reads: 1 h 05 min
